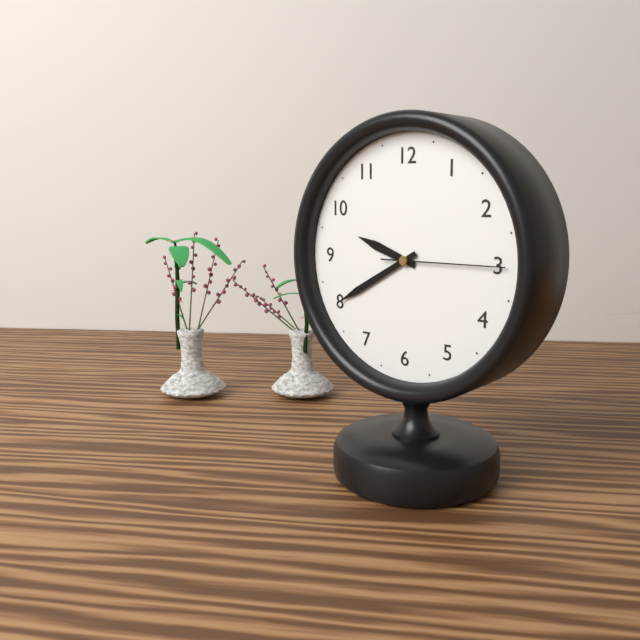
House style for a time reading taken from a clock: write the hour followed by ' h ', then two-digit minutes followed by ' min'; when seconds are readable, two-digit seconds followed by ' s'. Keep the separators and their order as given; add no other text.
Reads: 9 h 40 min 15 s
